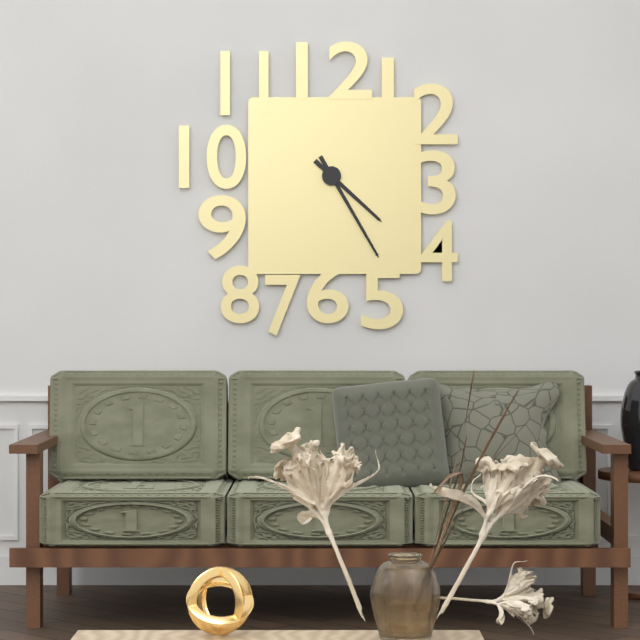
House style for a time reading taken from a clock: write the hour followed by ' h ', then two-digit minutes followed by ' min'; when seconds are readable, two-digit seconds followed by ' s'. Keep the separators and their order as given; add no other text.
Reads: 4 h 25 min
